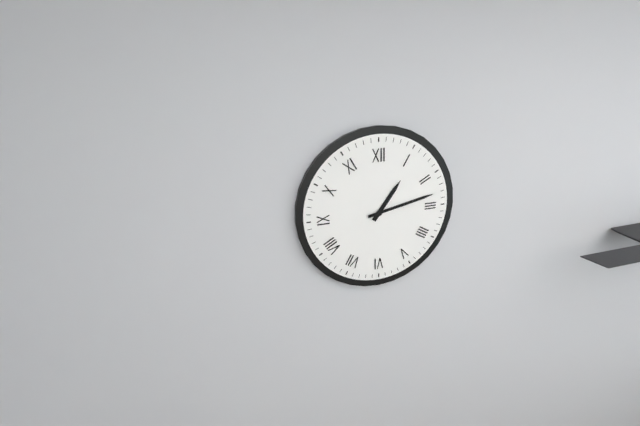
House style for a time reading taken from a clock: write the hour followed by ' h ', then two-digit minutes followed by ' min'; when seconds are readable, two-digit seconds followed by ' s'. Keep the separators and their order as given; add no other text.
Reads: 1 h 13 min
